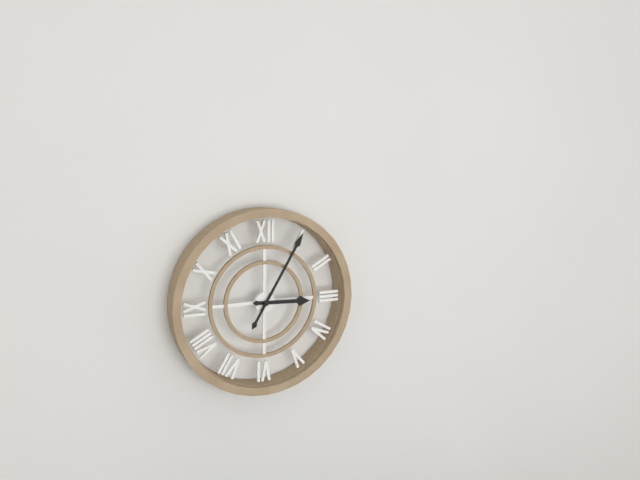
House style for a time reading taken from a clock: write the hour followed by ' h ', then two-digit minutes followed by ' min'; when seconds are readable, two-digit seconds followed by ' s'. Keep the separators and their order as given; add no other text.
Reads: 3 h 05 min
